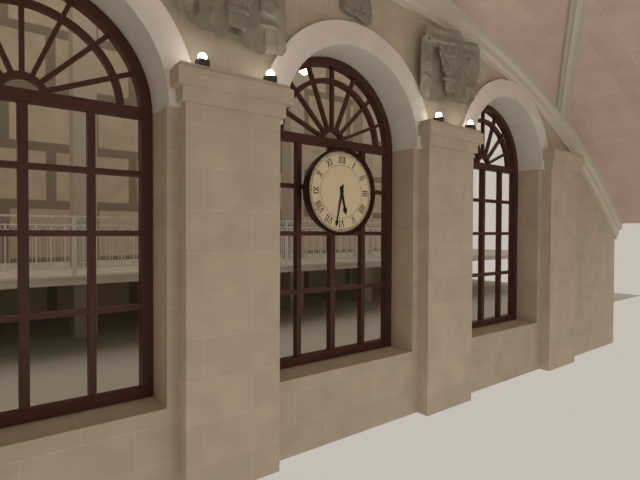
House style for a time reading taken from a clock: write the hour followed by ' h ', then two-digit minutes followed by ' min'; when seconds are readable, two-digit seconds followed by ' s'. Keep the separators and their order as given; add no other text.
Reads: 5 h 32 min
